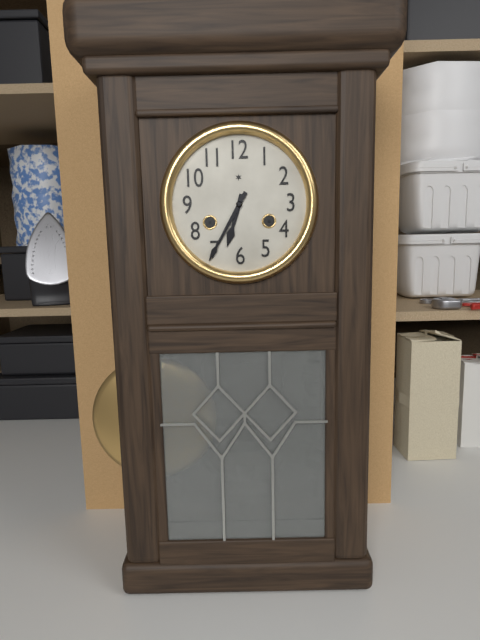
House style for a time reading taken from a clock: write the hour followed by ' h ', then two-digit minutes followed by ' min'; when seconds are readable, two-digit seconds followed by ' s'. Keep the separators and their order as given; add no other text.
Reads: 6 h 35 min
